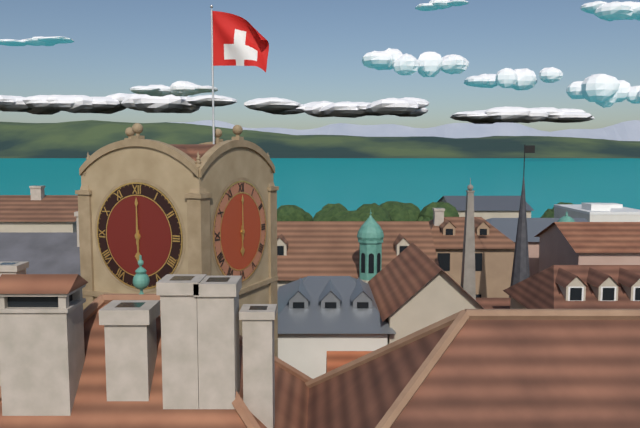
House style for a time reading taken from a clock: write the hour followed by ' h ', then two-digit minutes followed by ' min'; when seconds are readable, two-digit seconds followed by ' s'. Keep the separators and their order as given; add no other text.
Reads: 6 h 00 min
